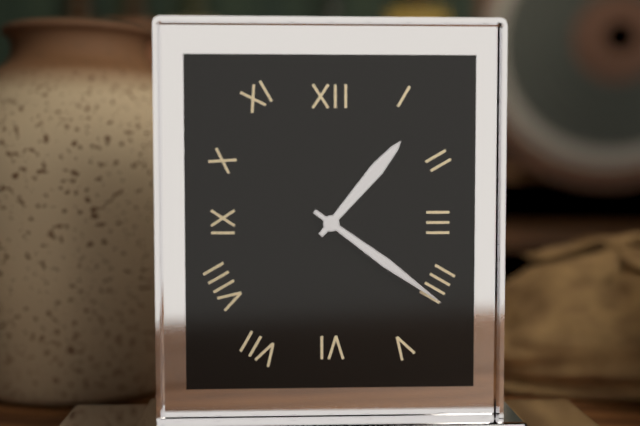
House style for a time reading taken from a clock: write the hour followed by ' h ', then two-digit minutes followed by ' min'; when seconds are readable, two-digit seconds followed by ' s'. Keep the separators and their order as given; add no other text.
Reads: 1 h 21 min
